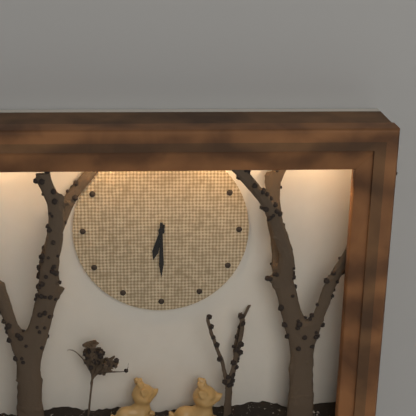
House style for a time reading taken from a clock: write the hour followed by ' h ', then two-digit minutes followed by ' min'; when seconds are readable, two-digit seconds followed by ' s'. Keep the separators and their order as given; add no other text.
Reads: 6 h 30 min
